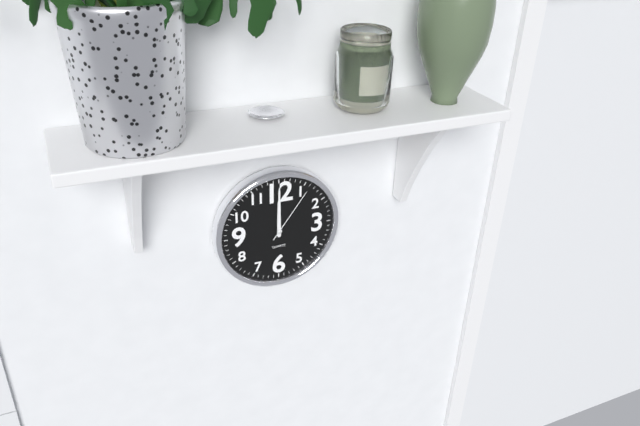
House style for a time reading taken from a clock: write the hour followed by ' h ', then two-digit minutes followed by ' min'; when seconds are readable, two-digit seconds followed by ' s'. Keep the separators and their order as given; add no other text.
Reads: 12 h 00 min 06 s
